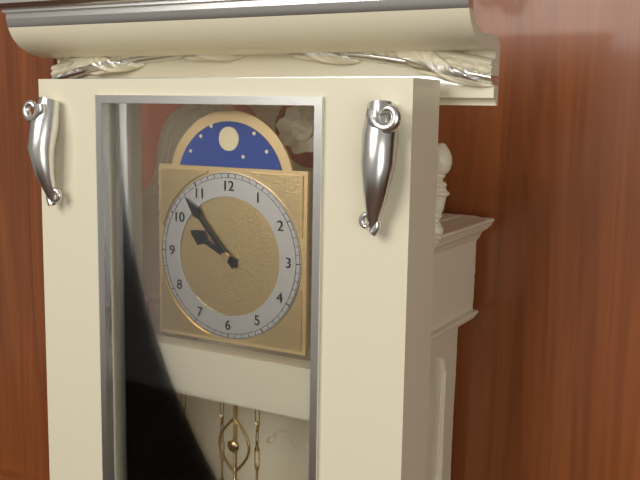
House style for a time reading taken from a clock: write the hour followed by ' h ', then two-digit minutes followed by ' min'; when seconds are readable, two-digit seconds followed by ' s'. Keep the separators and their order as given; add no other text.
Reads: 9 h 53 min
